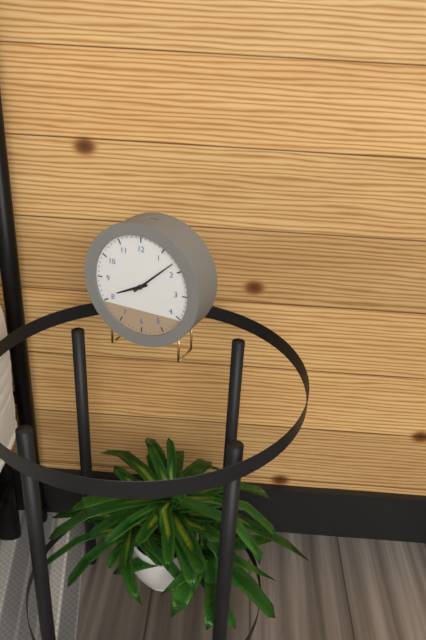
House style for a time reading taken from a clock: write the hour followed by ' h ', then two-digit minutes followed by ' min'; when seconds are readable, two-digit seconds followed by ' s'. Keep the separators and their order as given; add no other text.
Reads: 8 h 08 min
